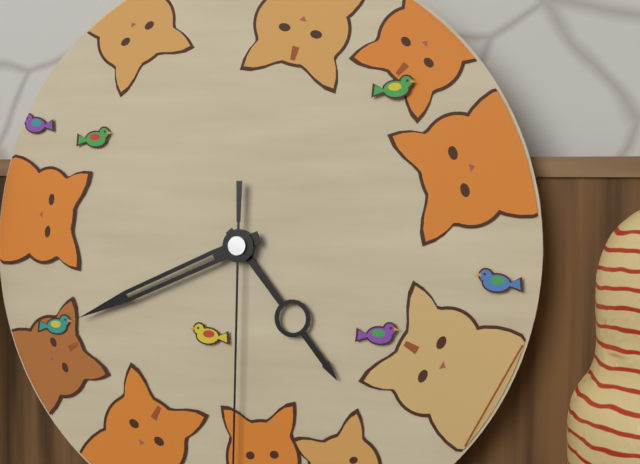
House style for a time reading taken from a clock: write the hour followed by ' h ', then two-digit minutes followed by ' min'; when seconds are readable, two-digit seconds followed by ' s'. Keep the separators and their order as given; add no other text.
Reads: 4 h 41 min
